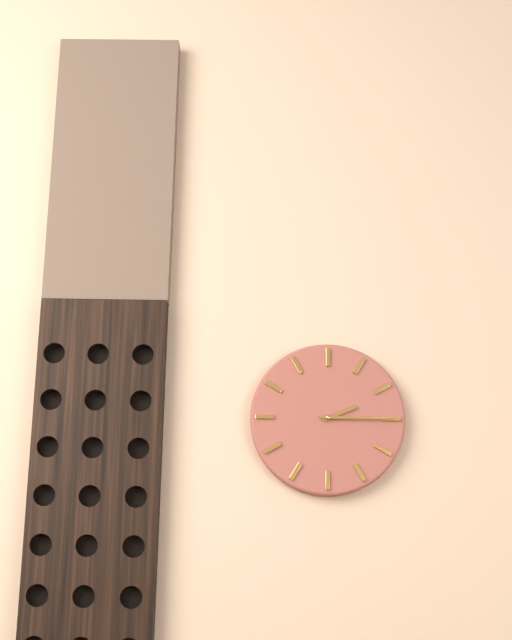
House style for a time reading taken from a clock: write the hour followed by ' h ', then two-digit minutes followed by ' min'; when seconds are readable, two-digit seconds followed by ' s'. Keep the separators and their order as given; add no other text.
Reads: 2 h 15 min
